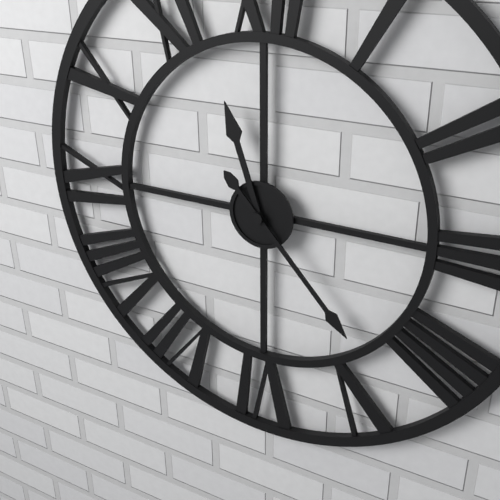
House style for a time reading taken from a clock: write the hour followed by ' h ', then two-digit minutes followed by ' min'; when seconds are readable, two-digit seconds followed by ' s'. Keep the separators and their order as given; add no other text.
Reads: 11 h 23 min
